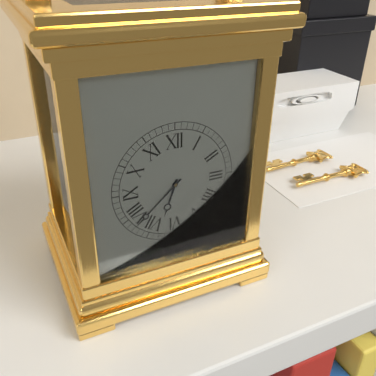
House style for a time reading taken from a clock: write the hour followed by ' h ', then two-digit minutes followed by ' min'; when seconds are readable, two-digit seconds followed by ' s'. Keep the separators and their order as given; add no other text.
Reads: 6 h 38 min
